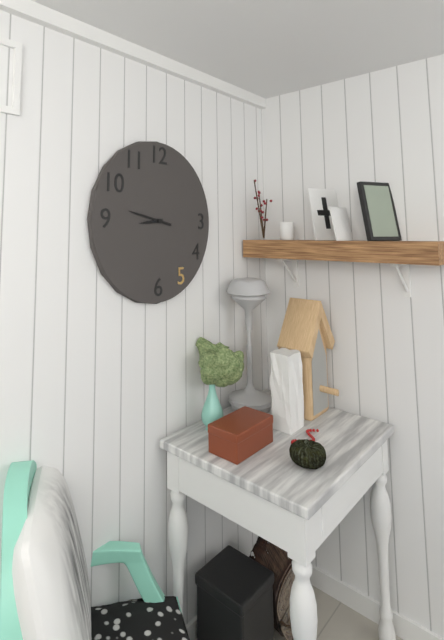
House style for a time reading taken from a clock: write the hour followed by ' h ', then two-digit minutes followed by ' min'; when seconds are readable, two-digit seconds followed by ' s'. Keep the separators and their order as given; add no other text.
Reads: 8 h 47 min
